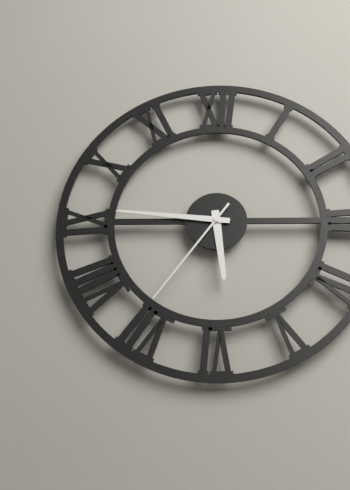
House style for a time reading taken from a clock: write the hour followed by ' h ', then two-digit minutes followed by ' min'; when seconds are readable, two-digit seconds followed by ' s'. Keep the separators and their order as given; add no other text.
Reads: 5 h 46 min 36 s
